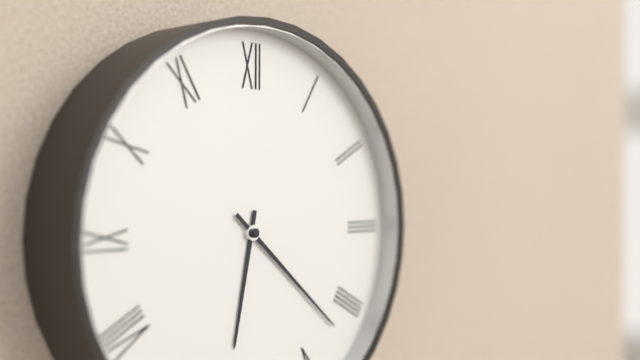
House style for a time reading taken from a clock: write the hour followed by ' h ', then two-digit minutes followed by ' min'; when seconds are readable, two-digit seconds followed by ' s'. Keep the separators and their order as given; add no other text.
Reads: 6 h 22 min
